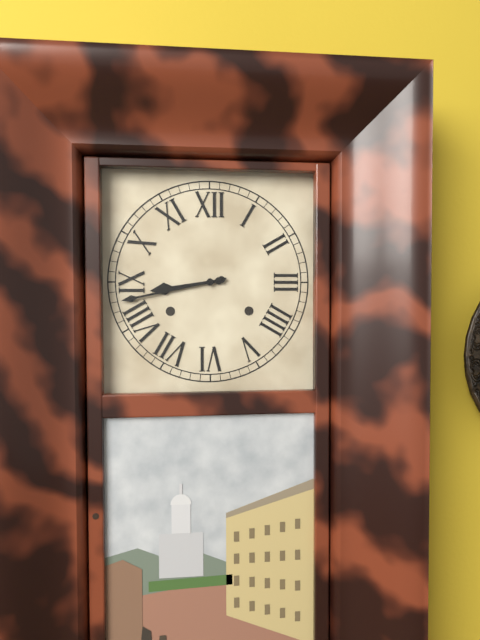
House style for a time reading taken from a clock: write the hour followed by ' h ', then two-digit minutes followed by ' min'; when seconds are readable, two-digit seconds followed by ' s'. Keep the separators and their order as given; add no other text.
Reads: 8 h 43 min
